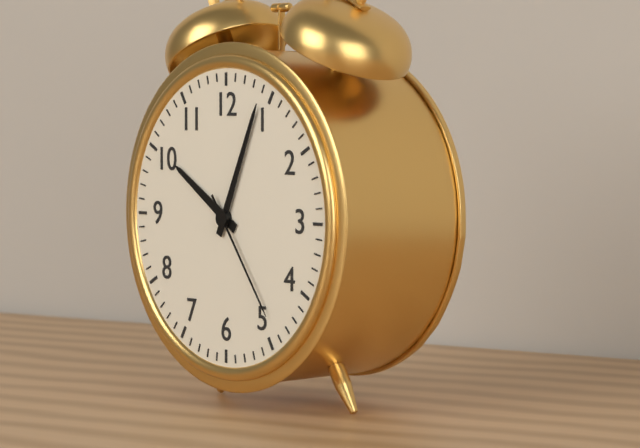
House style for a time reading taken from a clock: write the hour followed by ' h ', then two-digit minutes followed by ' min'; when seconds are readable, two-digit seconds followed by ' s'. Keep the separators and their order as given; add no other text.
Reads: 10 h 04 min 24 s
